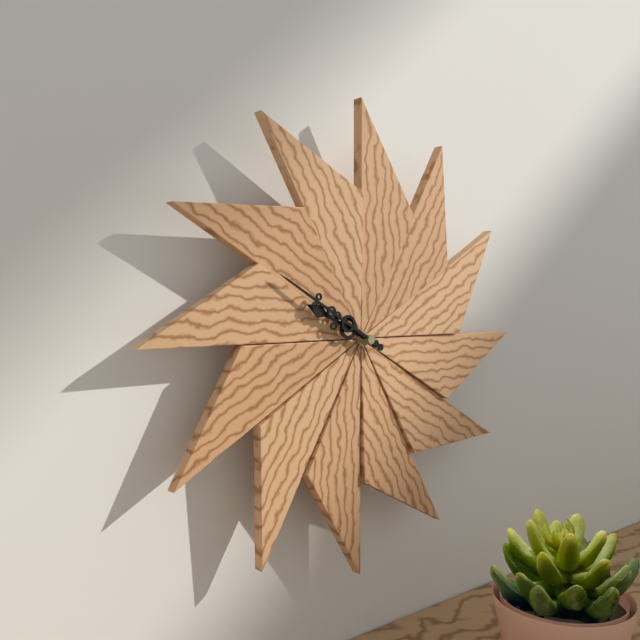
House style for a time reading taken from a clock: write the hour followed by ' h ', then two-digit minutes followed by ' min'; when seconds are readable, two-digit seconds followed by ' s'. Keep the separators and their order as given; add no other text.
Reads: 9 h 50 min
